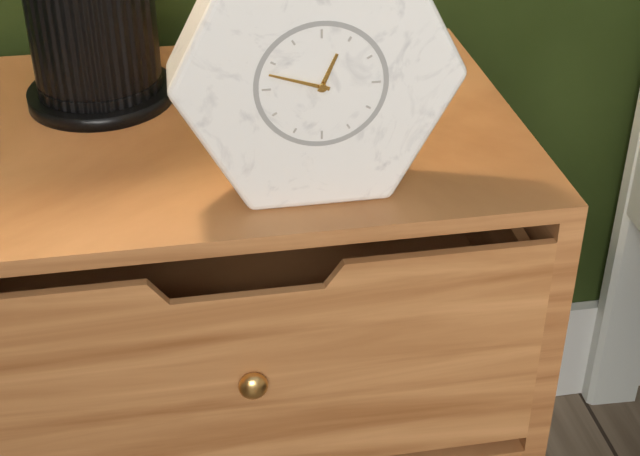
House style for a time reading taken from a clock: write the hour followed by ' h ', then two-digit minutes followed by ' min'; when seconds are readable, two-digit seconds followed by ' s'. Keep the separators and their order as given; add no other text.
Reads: 12 h 48 min
